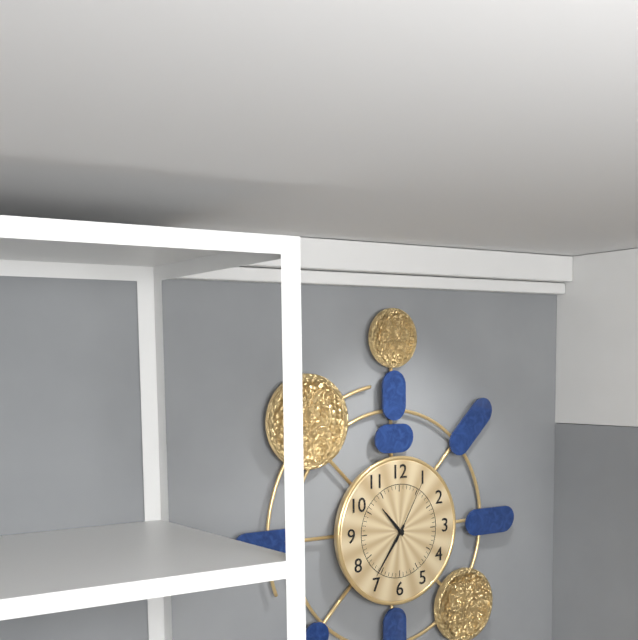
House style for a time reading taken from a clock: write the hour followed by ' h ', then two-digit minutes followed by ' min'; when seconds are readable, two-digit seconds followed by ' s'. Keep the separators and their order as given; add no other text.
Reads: 10 h 36 min 05 s
